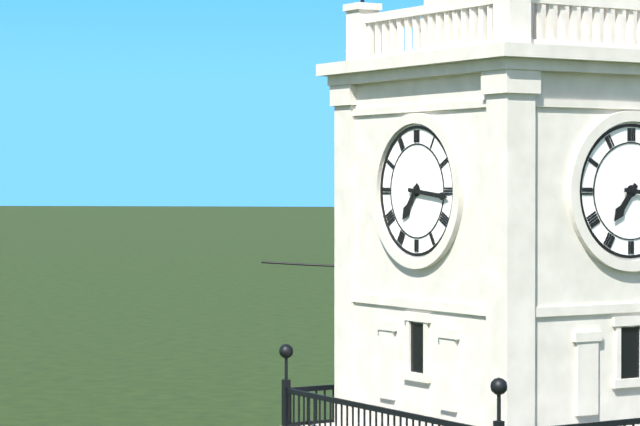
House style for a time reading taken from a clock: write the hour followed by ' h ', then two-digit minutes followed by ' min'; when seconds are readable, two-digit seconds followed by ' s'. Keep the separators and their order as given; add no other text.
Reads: 7 h 16 min
